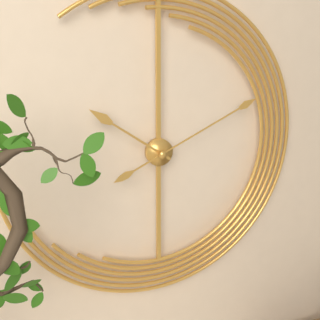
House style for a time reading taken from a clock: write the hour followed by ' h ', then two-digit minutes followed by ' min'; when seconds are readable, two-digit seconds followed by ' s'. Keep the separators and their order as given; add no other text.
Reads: 10 h 11 min
